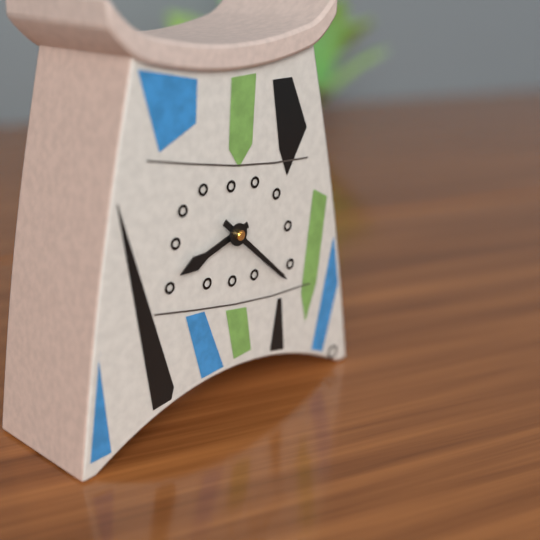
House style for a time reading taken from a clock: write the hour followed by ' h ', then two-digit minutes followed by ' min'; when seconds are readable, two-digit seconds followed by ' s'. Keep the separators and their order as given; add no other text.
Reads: 8 h 22 min
